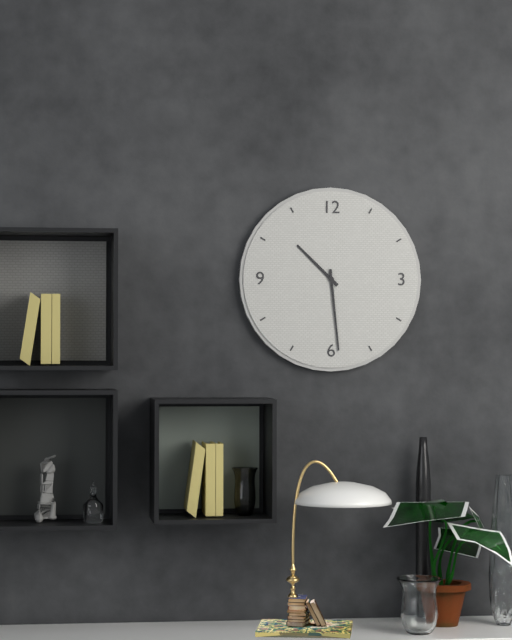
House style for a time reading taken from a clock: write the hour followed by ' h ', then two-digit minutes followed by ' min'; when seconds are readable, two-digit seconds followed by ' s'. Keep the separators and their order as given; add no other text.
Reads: 10 h 29 min
